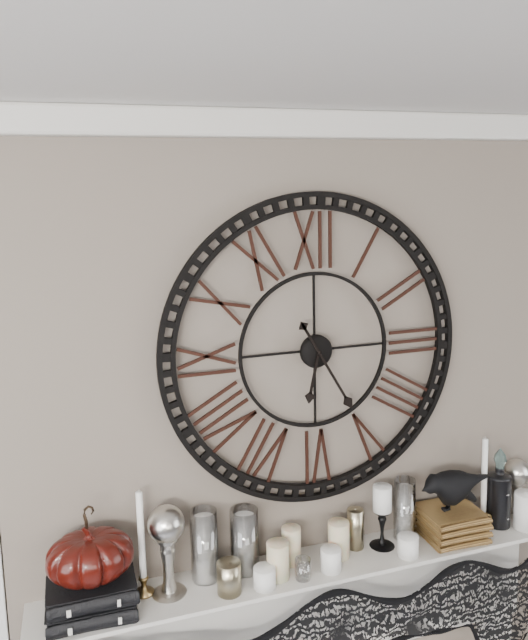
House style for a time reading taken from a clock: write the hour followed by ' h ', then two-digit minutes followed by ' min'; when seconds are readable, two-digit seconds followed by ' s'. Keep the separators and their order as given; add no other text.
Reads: 6 h 25 min
